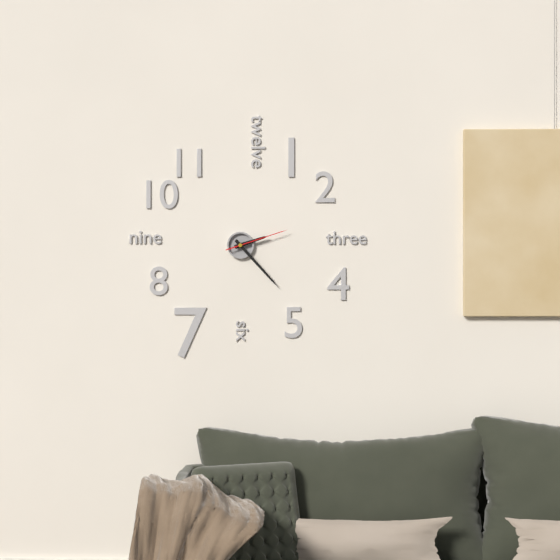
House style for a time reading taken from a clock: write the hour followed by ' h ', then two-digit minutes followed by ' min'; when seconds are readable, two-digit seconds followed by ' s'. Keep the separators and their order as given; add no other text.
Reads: 2 h 23 min 12 s
